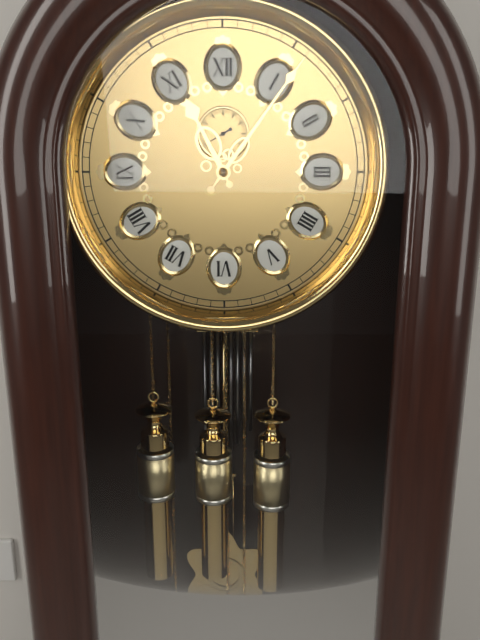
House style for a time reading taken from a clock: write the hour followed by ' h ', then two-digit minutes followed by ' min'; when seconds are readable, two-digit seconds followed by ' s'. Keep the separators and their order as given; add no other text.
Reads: 11 h 06 min
